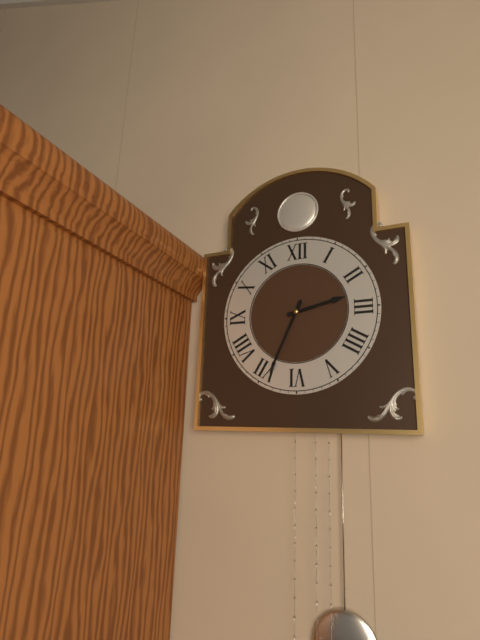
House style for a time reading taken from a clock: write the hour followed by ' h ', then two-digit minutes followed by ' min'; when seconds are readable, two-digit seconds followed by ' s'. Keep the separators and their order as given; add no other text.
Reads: 2 h 34 min
